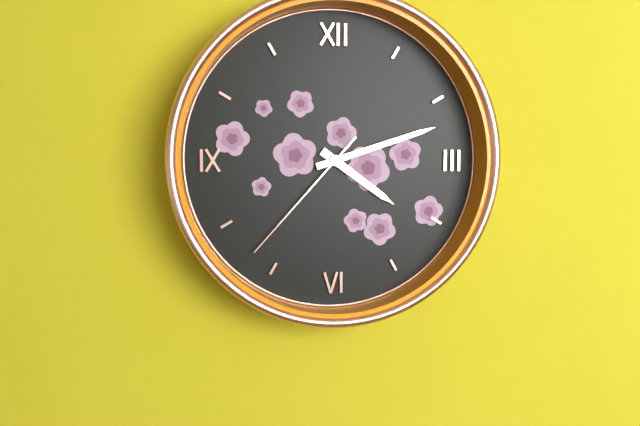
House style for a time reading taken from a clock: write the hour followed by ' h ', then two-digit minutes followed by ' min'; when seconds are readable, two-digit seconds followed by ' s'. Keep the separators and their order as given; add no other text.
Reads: 4 h 12 min 37 s
